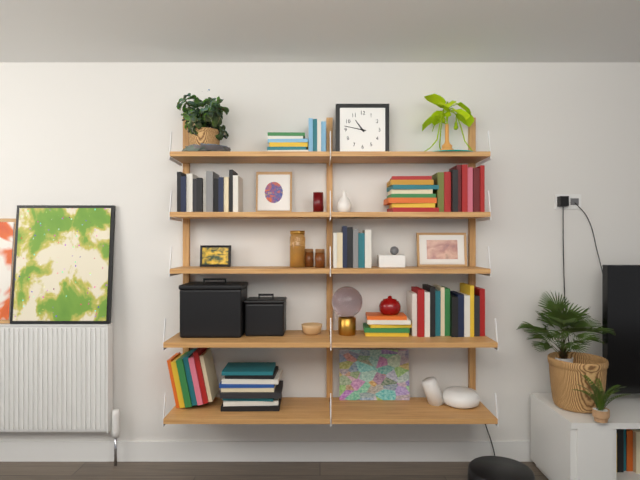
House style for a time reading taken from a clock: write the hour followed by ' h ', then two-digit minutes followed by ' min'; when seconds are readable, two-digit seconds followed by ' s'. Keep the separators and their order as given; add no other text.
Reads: 10 h 47 min
